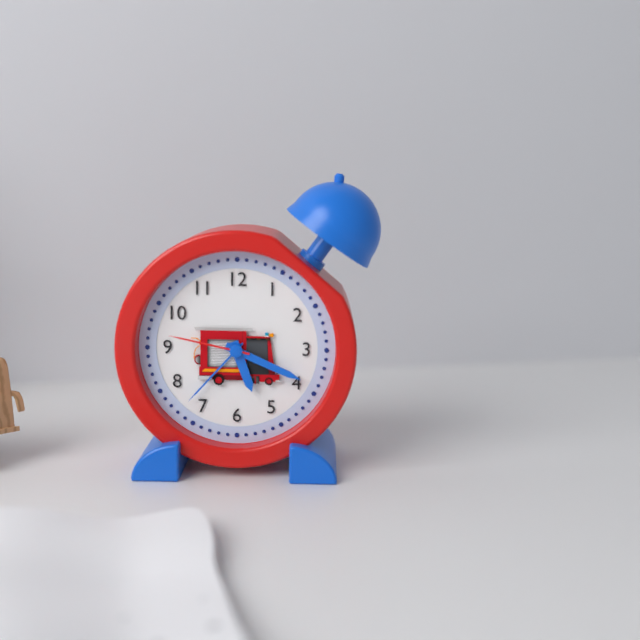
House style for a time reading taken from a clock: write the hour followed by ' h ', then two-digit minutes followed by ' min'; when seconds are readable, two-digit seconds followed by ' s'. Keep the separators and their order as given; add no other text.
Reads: 5 h 19 min 47 s
